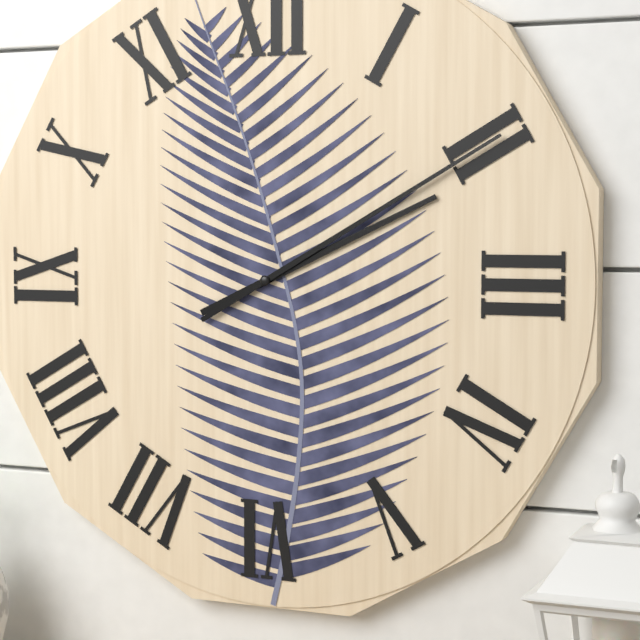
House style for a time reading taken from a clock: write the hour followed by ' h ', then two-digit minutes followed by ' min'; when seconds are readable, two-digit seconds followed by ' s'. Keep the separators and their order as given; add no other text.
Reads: 2 h 10 min
